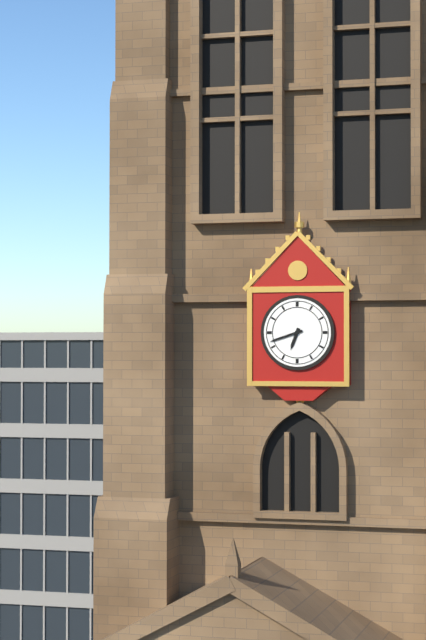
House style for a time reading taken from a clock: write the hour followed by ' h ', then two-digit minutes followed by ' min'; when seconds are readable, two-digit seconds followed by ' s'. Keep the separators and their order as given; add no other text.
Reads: 6 h 42 min
